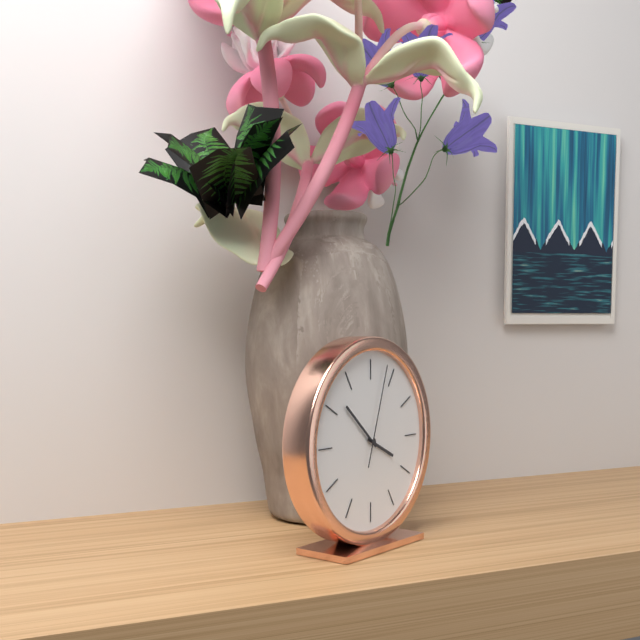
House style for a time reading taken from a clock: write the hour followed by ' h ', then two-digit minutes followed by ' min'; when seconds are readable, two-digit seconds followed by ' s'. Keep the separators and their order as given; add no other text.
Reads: 3 h 52 min 03 s
